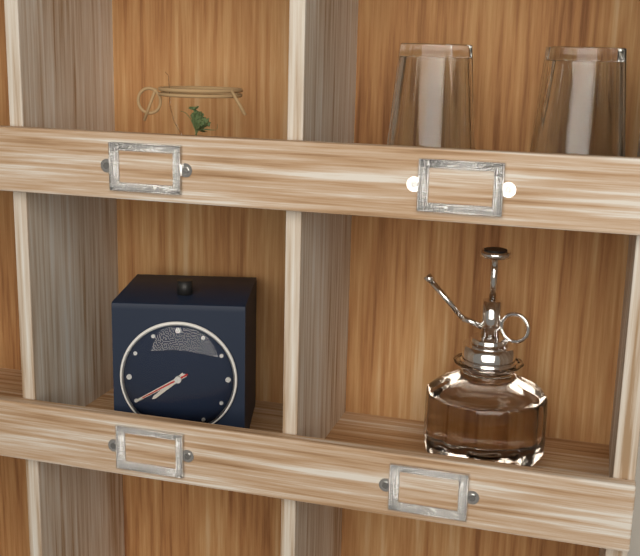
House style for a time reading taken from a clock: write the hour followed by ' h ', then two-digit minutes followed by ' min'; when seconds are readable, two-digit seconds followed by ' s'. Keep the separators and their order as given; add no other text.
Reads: 7 h 40 min 40 s
